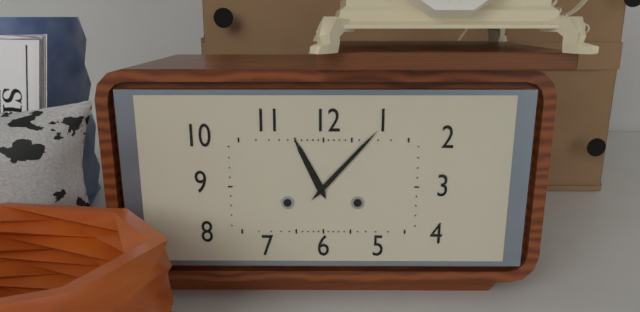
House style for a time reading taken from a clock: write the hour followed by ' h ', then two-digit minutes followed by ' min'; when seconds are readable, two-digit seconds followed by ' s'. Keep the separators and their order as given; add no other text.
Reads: 11 h 07 min
